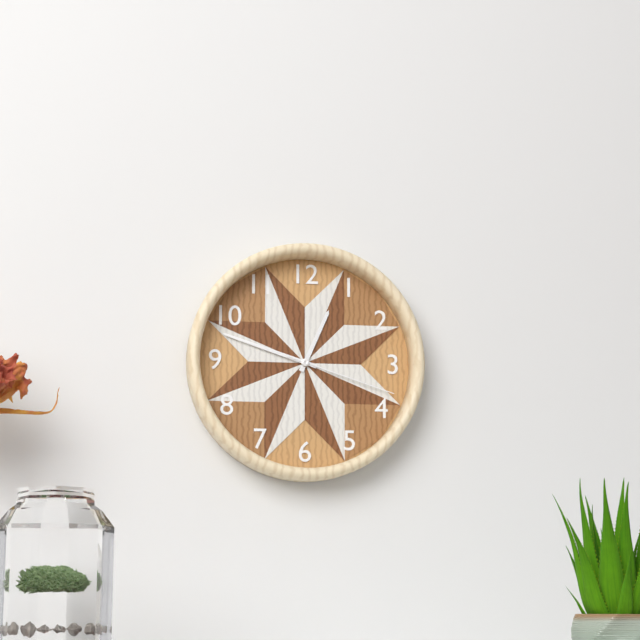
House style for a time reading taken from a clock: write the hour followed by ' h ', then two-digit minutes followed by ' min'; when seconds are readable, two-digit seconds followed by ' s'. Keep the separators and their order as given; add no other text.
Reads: 12 h 48 min 18 s
